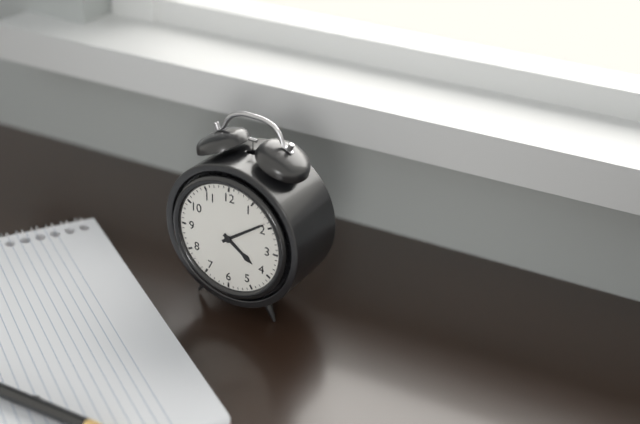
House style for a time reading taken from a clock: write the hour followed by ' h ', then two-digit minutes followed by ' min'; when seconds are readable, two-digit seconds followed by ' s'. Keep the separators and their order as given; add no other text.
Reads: 4 h 09 min
